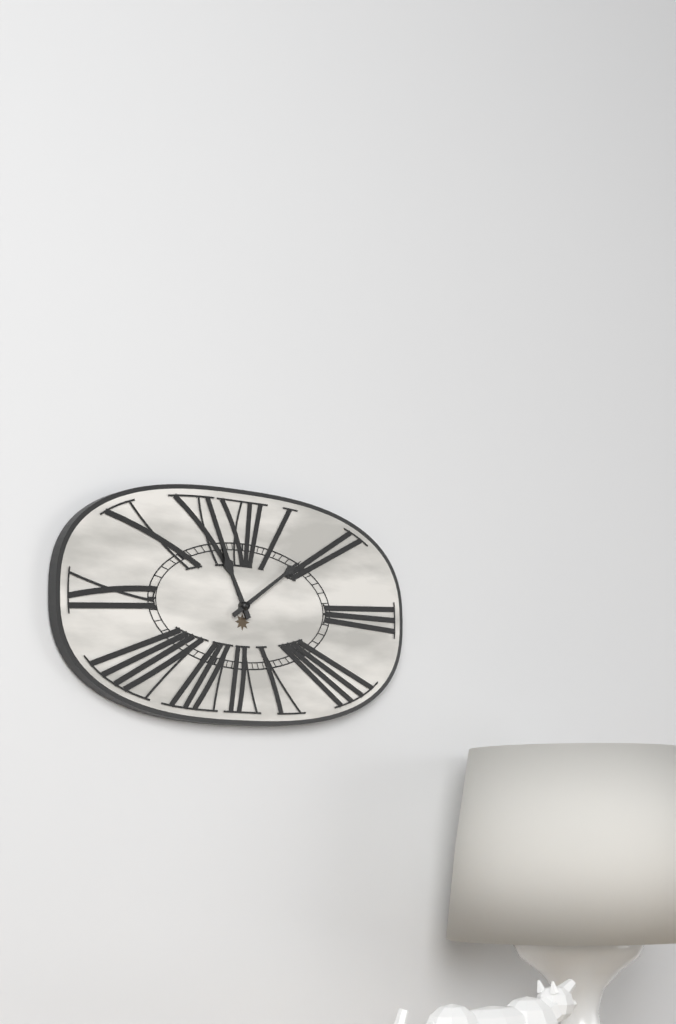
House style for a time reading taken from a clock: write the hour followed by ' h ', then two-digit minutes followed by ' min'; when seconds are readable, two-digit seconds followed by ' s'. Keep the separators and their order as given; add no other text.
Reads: 11 h 09 min
